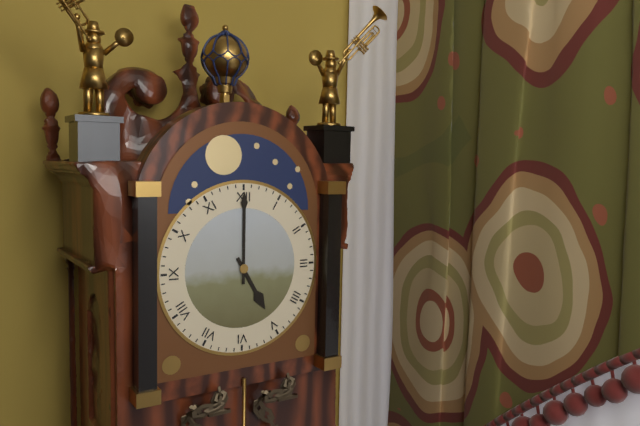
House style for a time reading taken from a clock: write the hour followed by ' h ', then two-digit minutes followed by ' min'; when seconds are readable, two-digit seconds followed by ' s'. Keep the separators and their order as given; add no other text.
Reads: 5 h 00 min
